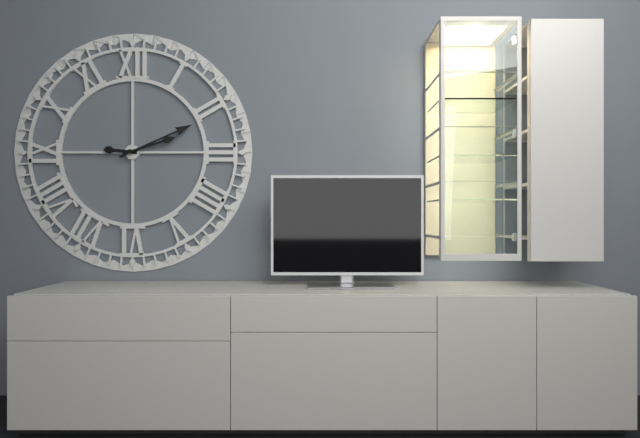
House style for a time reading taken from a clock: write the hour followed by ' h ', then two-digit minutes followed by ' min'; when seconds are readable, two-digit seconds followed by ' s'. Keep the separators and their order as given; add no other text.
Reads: 9 h 11 min 12 s
